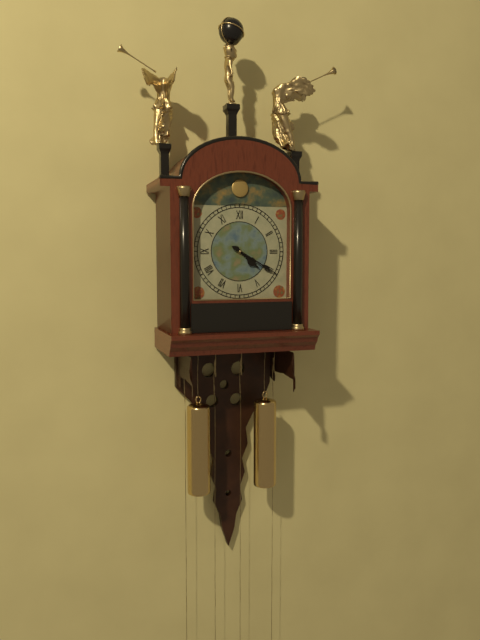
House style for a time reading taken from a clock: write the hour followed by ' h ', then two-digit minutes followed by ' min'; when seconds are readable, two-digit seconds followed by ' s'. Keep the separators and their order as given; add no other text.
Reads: 4 h 20 min
